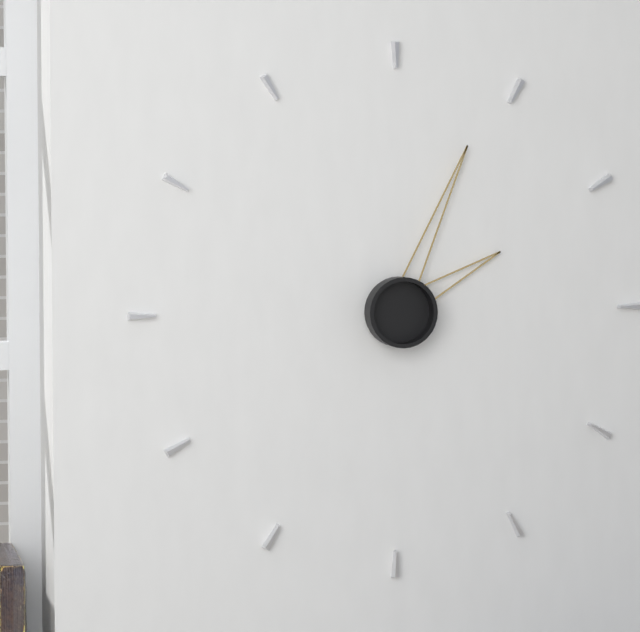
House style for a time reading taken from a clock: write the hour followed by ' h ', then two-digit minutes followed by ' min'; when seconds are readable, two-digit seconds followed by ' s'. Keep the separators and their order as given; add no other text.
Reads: 2 h 04 min
